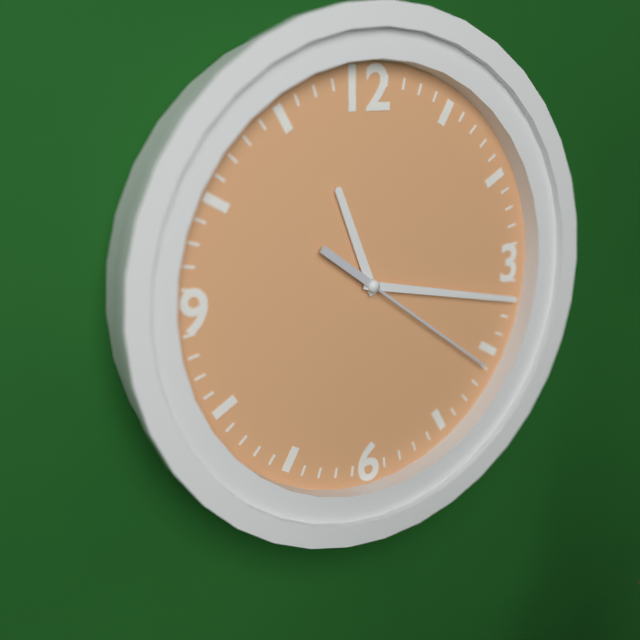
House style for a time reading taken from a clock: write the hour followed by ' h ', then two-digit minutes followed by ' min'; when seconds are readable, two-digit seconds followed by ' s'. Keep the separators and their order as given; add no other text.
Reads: 11 h 17 min 21 s
